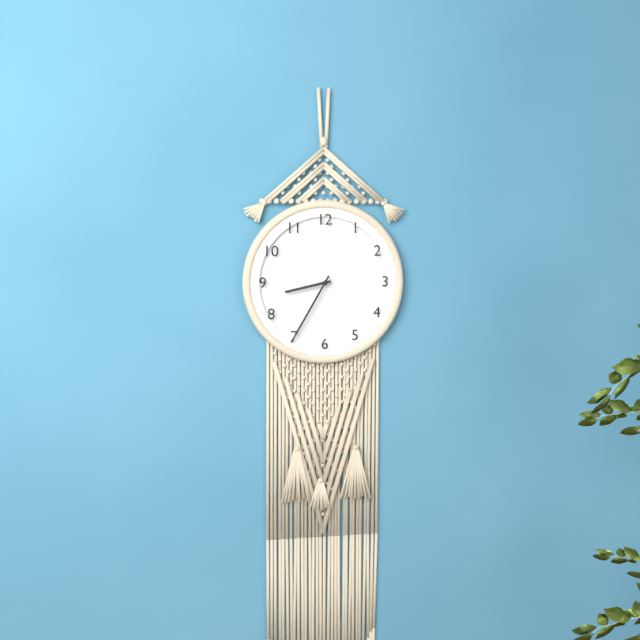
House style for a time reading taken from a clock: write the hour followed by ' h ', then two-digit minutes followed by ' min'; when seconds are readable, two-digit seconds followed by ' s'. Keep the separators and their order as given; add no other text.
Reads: 8 h 35 min
